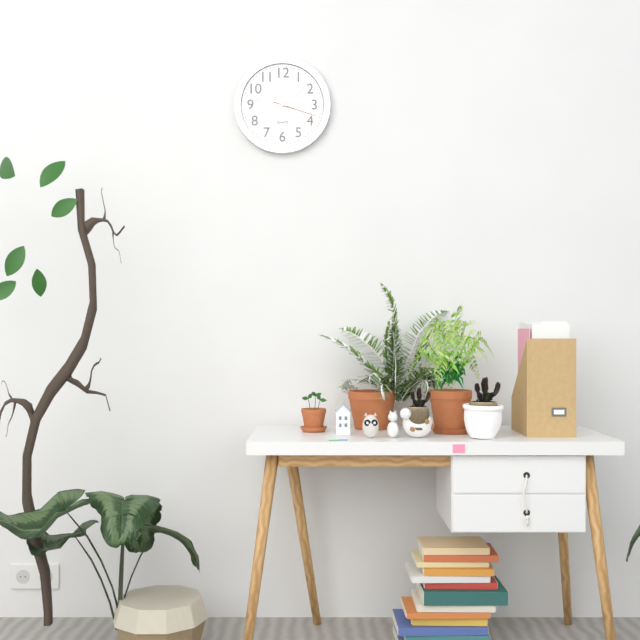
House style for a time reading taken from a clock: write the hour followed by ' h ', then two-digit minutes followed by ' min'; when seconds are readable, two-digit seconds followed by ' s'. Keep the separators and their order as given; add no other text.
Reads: 1 h 47 min
